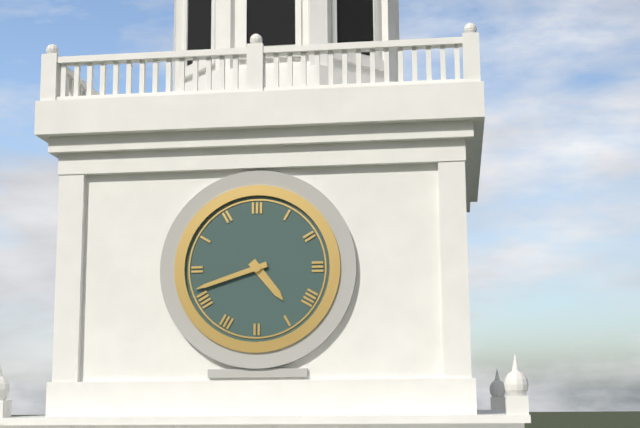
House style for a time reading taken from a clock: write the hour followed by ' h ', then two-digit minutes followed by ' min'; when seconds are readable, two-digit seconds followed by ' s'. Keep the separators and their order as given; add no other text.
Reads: 4 h 42 min
